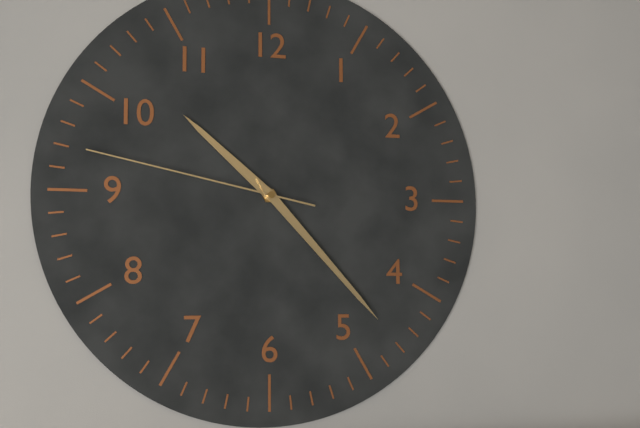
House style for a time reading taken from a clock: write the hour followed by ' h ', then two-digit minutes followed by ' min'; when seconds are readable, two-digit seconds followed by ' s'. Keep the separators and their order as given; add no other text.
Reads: 10 h 23 min 47 s
